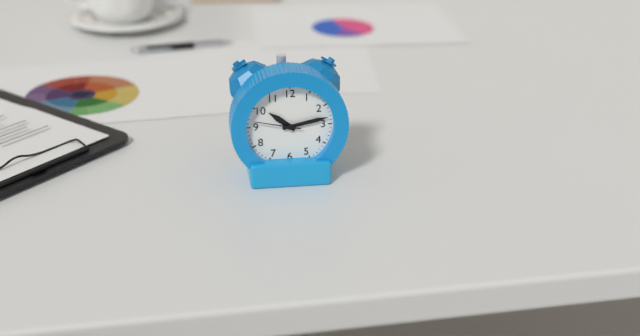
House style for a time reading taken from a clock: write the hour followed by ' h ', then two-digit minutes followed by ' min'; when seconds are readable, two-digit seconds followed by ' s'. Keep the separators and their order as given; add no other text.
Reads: 10 h 13 min
